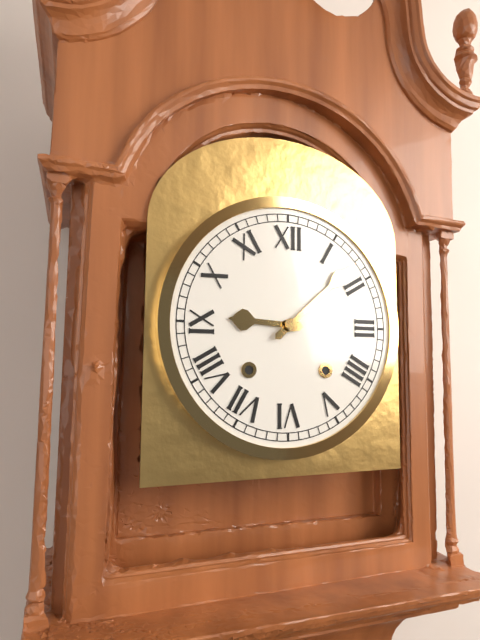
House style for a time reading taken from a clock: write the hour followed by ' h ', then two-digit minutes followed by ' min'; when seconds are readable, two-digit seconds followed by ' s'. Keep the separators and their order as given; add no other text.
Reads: 9 h 08 min
